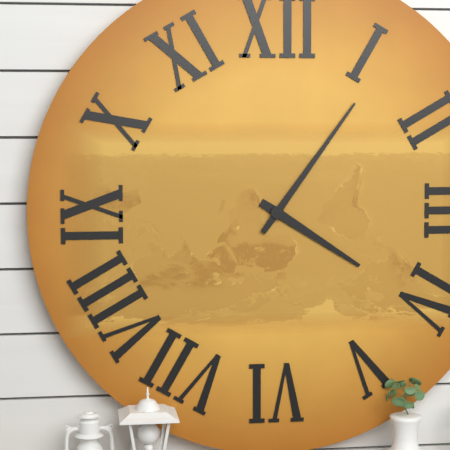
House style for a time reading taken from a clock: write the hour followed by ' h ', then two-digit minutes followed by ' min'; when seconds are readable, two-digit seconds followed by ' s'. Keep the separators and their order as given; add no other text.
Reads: 4 h 06 min
